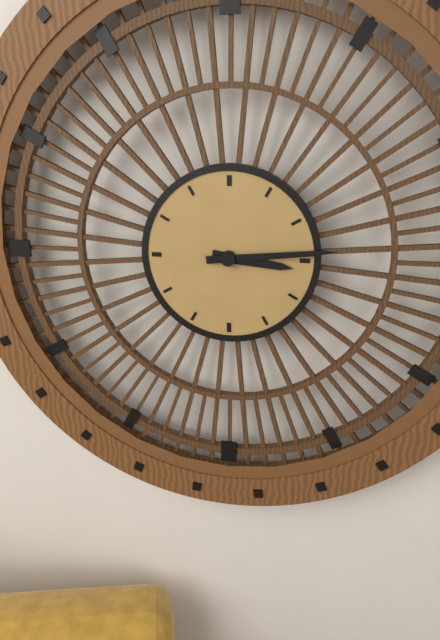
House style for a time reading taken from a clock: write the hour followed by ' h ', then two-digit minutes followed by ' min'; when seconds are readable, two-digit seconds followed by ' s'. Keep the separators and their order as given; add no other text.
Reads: 3 h 14 min
